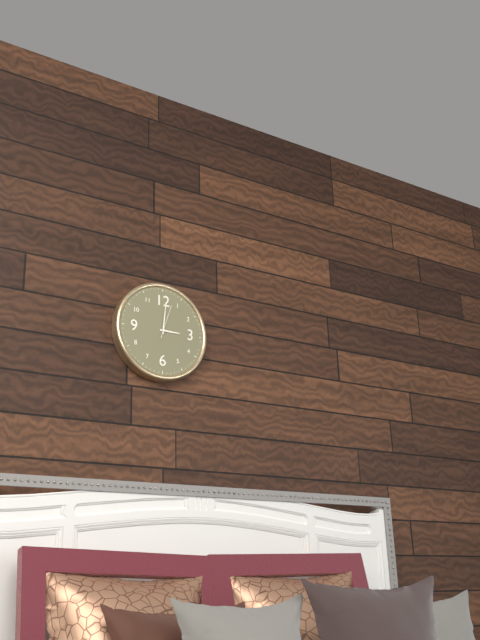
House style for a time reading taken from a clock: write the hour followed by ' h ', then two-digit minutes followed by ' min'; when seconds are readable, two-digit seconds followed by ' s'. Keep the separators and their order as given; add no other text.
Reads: 3 h 01 min
